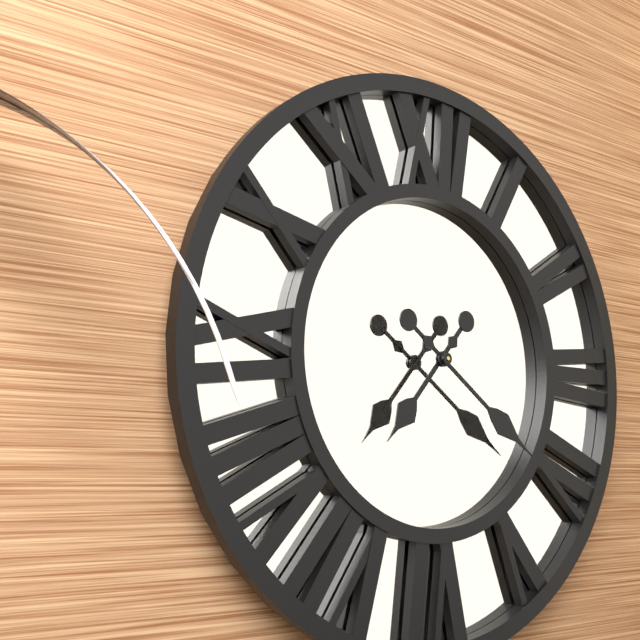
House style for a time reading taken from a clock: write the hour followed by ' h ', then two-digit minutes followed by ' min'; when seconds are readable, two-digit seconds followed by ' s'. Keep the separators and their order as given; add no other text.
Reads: 7 h 21 min
